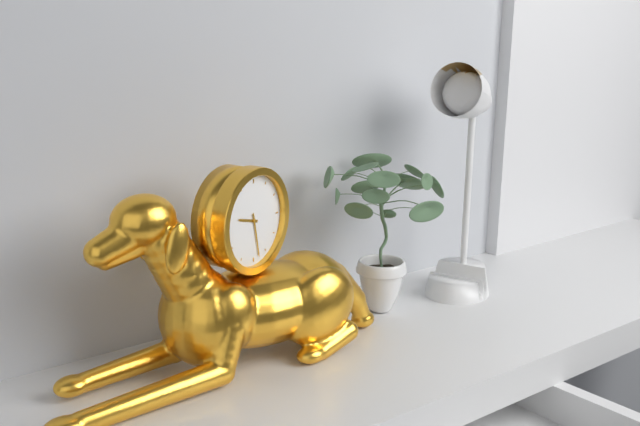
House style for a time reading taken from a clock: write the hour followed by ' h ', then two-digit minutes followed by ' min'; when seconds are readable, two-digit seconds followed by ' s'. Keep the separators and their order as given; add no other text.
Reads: 9 h 28 min
